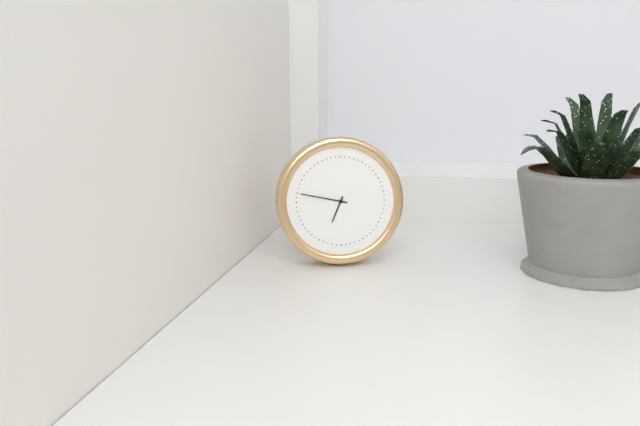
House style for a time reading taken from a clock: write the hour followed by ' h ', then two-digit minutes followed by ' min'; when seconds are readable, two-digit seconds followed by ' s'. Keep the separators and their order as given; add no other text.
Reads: 6 h 47 min
